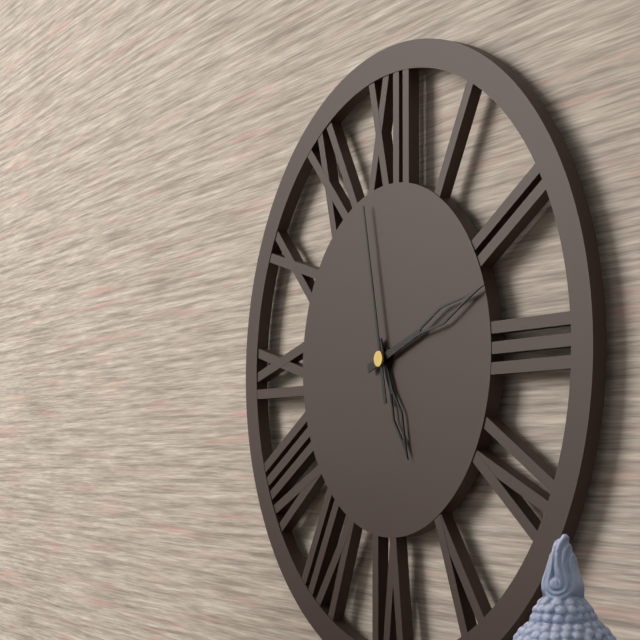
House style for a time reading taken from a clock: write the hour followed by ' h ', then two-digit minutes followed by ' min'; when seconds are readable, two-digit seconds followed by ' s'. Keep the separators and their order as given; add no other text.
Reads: 5 h 12 min 58 s
